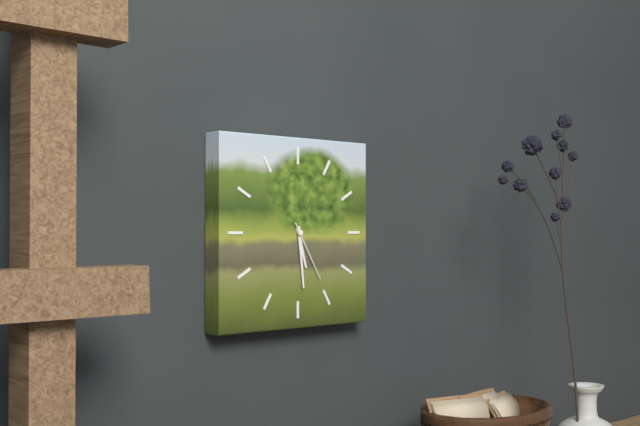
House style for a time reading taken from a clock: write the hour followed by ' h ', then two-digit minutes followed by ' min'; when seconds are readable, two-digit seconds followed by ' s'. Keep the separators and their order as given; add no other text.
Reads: 5 h 29 min 25 s
